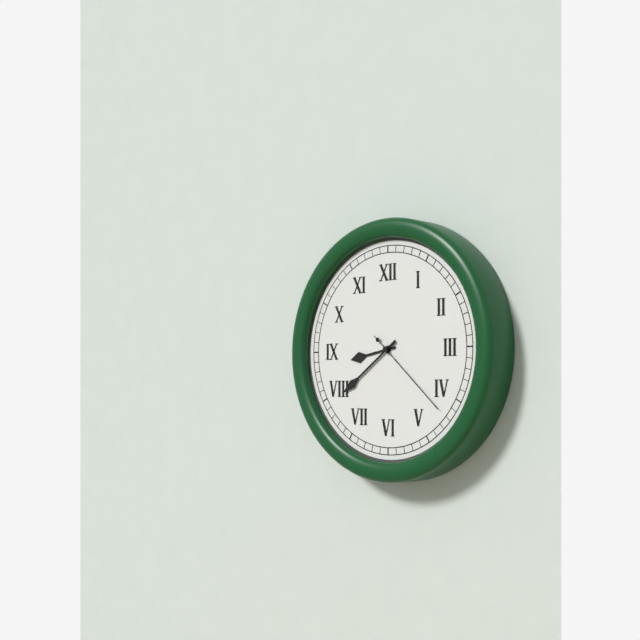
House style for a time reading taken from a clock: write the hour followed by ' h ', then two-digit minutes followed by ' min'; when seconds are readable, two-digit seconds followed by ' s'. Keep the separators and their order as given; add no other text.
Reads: 8 h 39 min 22 s
